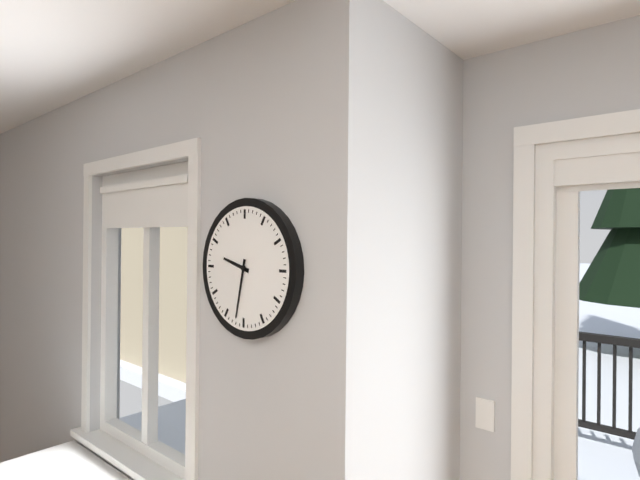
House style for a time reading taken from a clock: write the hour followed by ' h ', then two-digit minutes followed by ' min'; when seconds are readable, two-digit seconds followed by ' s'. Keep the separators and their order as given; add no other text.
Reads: 9 h 32 min
